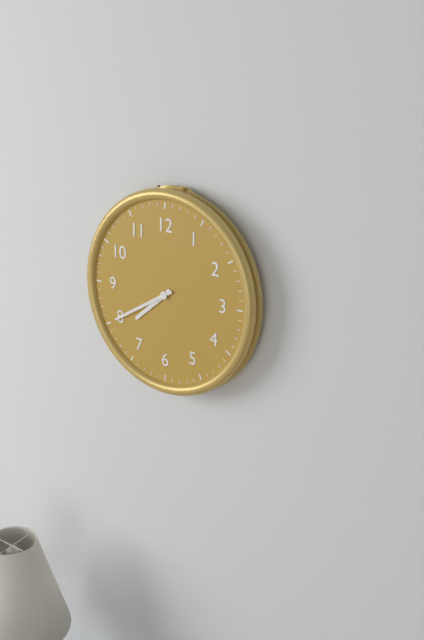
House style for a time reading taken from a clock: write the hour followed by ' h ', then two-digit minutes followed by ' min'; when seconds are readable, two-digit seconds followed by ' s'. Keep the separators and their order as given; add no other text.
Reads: 7 h 40 min
